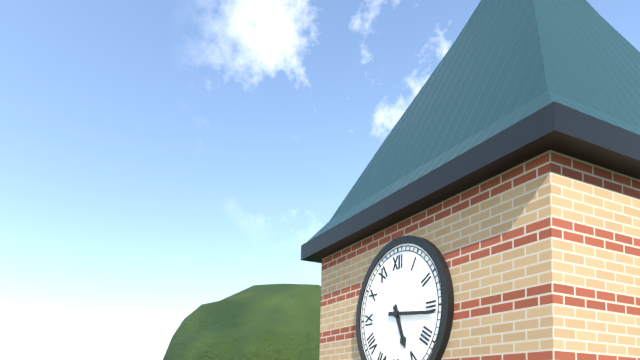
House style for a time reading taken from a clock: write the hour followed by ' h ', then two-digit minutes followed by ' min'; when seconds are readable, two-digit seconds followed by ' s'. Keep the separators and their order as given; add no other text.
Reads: 5 h 16 min
